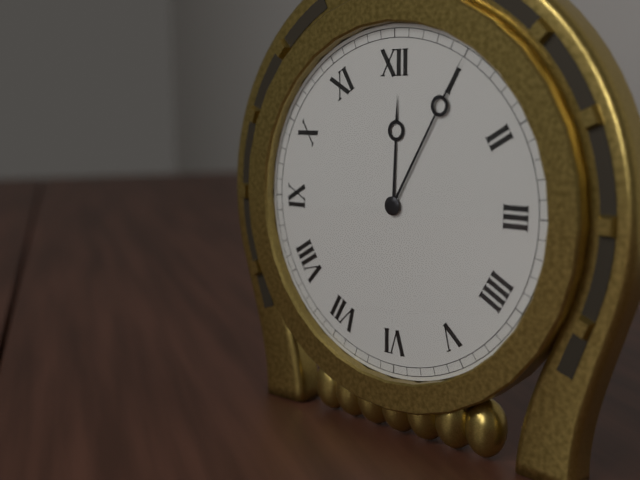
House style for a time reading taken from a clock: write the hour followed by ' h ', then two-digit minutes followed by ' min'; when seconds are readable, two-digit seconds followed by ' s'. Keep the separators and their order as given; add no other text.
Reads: 12 h 05 min
